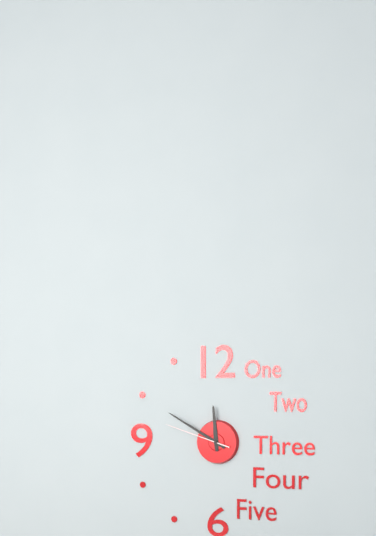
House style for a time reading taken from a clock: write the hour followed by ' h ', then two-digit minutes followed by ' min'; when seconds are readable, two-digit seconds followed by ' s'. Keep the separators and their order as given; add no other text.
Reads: 11 h 50 min 48 s
